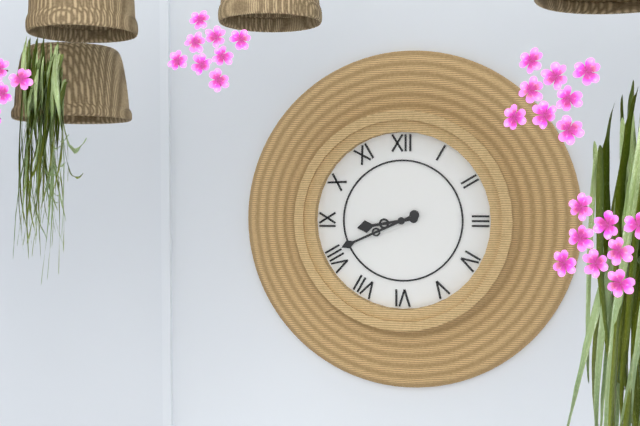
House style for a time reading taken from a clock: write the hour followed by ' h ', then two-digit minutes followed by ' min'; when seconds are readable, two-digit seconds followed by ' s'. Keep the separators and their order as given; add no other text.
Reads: 8 h 41 min
